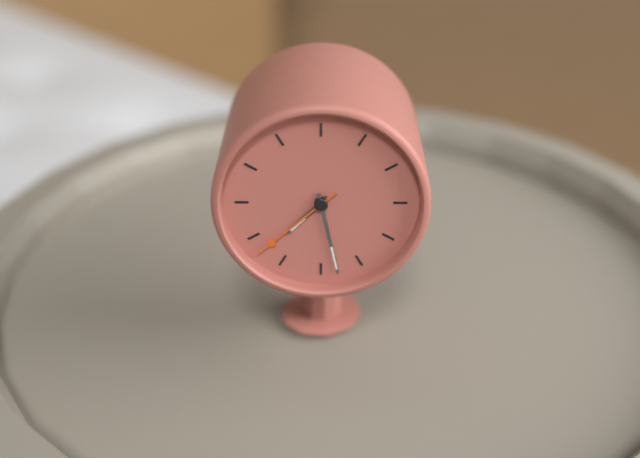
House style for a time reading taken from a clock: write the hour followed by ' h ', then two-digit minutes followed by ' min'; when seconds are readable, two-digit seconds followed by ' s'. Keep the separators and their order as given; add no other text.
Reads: 7 h 28 min 38 s
